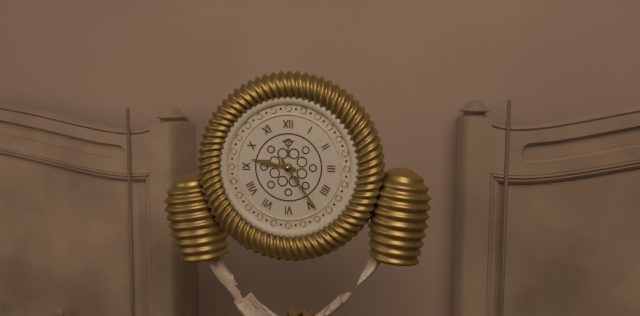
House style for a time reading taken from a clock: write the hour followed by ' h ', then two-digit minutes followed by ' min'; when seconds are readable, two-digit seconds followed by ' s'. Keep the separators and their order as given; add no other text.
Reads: 9 h 24 min
